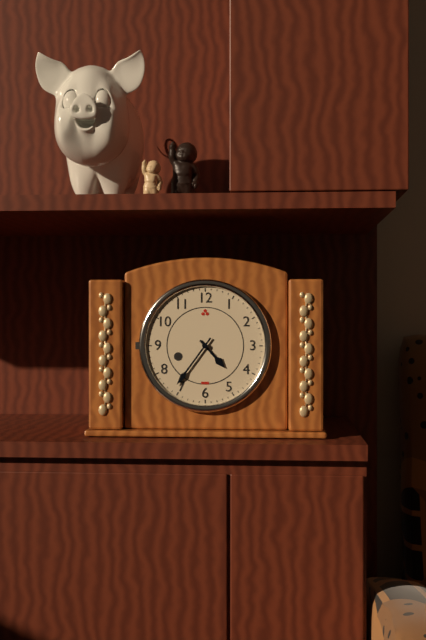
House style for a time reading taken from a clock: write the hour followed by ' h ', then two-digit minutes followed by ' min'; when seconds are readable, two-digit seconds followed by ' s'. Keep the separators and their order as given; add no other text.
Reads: 4 h 36 min
